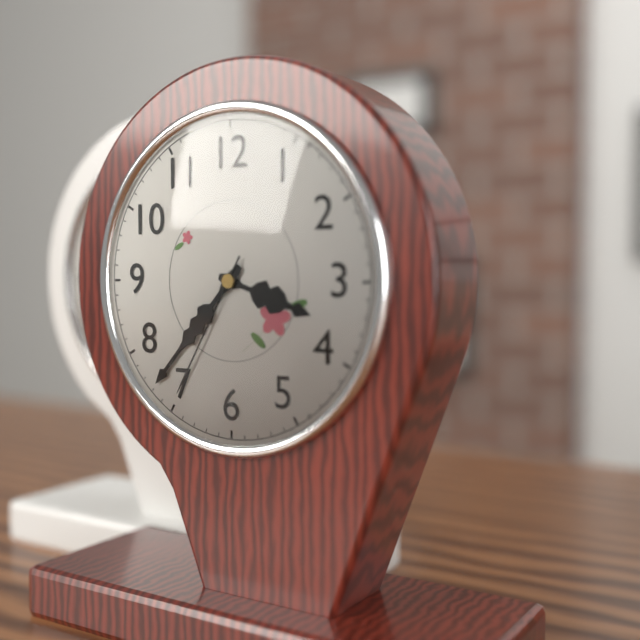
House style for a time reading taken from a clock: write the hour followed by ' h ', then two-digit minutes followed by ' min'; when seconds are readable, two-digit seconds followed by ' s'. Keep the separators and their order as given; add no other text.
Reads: 3 h 37 min 35 s
